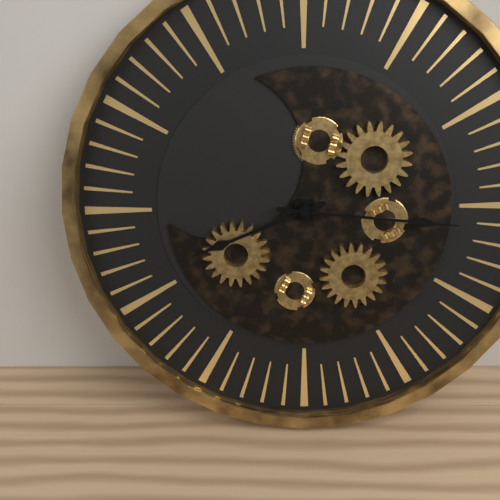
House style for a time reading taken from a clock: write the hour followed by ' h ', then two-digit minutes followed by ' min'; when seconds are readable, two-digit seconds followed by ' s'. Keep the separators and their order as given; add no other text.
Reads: 8 h 16 min
